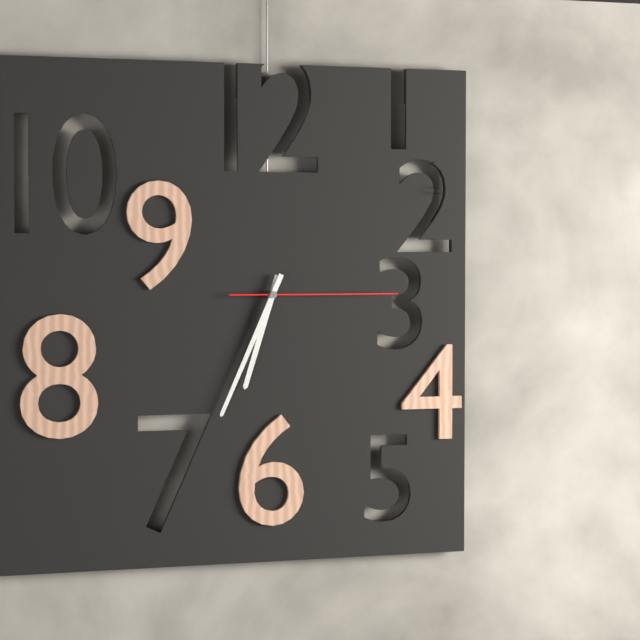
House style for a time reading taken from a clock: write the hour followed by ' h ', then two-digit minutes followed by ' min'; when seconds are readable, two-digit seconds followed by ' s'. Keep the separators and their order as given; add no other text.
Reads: 6 h 34 min 15 s
